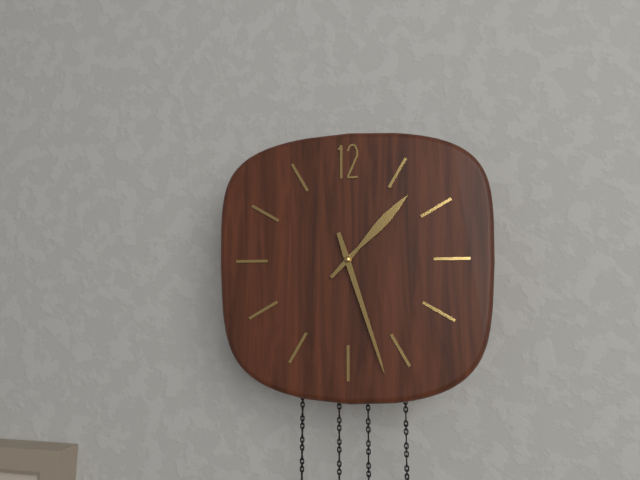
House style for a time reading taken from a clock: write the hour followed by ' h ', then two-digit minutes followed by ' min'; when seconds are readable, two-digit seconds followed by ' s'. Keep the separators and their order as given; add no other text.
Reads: 1 h 27 min
